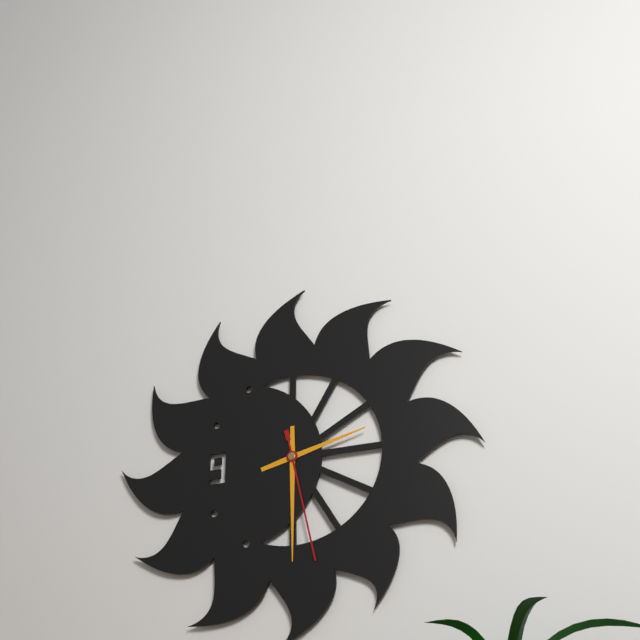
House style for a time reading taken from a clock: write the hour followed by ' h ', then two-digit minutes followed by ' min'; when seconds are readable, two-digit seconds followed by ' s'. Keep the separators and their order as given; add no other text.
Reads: 2 h 30 min 28 s
